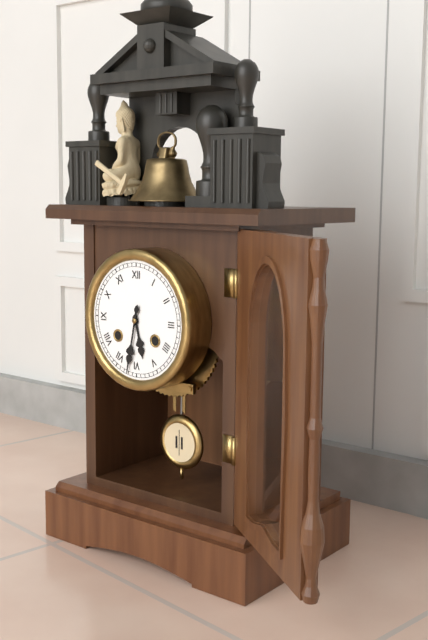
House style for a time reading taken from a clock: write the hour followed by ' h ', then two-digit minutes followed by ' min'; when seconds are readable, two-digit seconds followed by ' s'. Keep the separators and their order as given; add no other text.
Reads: 5 h 32 min
